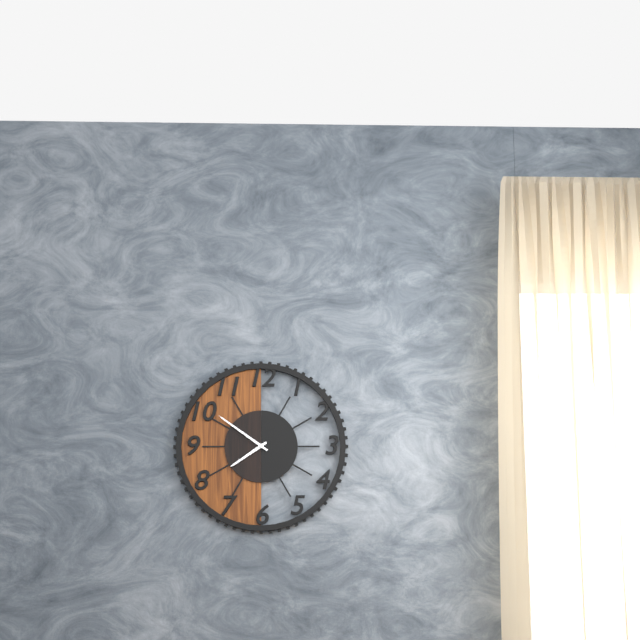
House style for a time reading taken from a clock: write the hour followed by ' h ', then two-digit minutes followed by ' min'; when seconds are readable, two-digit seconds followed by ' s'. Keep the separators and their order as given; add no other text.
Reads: 7 h 51 min
